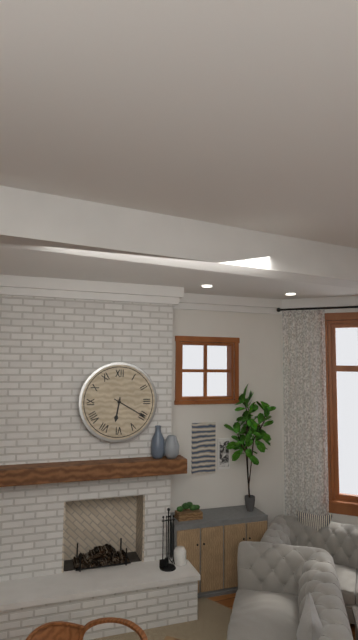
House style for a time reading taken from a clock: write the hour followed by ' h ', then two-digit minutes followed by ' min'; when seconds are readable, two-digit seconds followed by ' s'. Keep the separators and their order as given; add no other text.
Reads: 6 h 20 min
